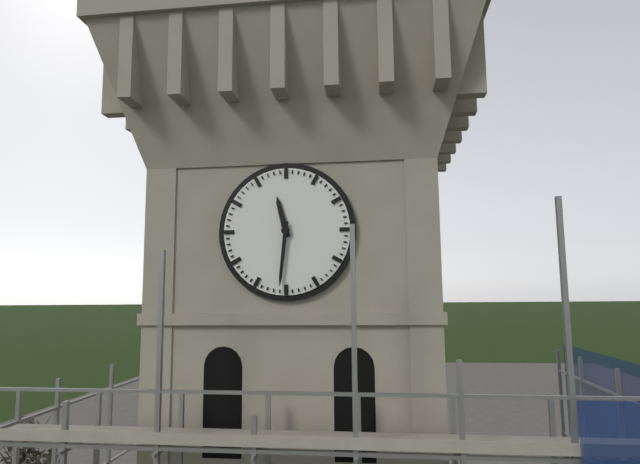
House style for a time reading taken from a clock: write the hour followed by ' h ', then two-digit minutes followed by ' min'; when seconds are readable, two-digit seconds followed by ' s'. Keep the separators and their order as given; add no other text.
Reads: 11 h 31 min
